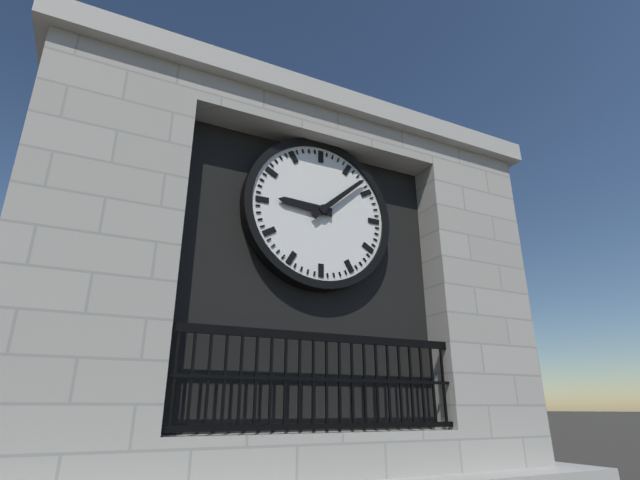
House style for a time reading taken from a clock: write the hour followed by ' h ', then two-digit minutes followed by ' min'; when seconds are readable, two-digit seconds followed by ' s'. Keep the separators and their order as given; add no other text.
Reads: 9 h 08 min
